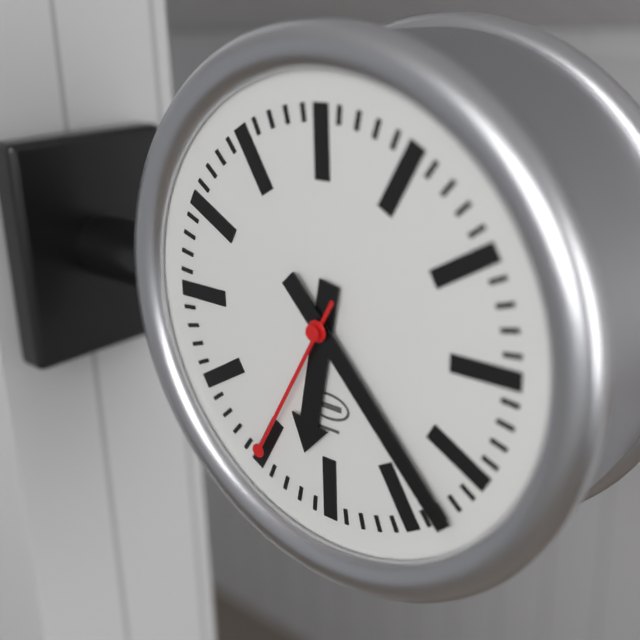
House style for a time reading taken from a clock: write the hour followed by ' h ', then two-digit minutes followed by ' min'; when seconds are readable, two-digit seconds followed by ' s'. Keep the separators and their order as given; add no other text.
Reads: 6 h 23 min 35 s
